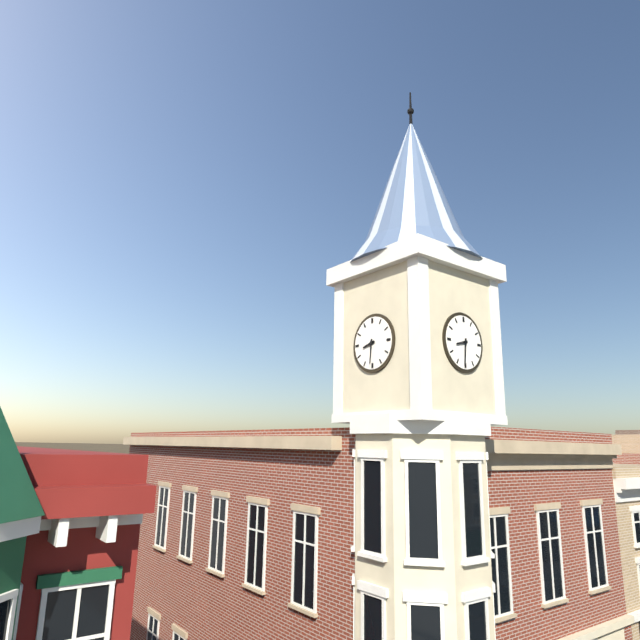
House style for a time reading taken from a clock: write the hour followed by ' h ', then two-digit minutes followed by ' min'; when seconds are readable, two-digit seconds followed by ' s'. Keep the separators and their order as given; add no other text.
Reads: 8 h 31 min
